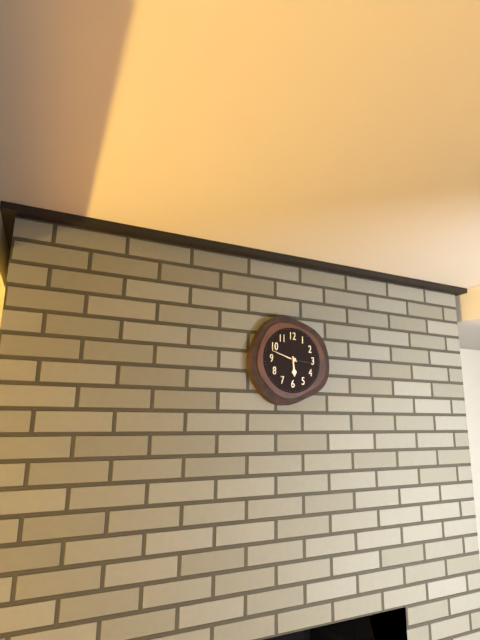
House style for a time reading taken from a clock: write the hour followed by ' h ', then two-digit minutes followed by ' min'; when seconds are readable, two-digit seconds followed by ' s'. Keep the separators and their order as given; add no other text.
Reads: 5 h 48 min
